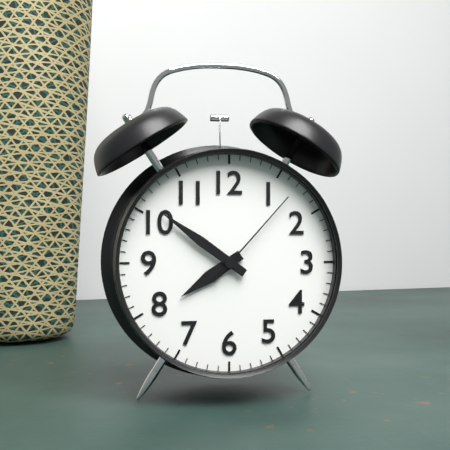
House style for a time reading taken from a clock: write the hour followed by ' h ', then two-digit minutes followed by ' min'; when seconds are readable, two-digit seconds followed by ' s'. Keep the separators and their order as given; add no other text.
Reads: 7 h 51 min 07 s
